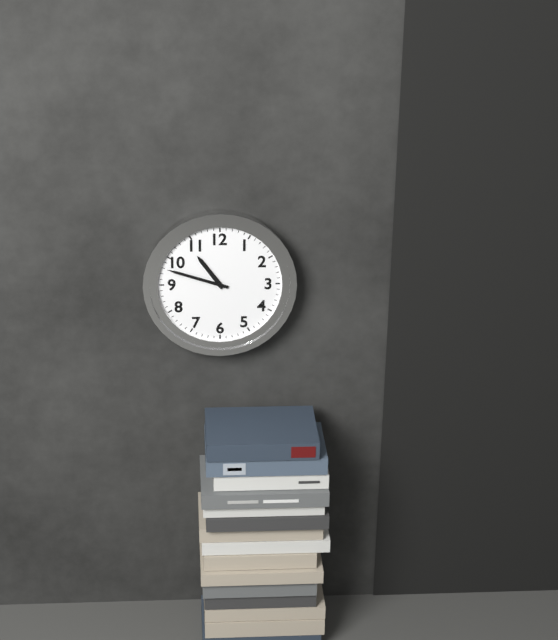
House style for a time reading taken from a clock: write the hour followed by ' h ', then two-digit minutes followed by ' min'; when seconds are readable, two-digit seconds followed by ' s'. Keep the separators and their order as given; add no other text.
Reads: 10 h 48 min
